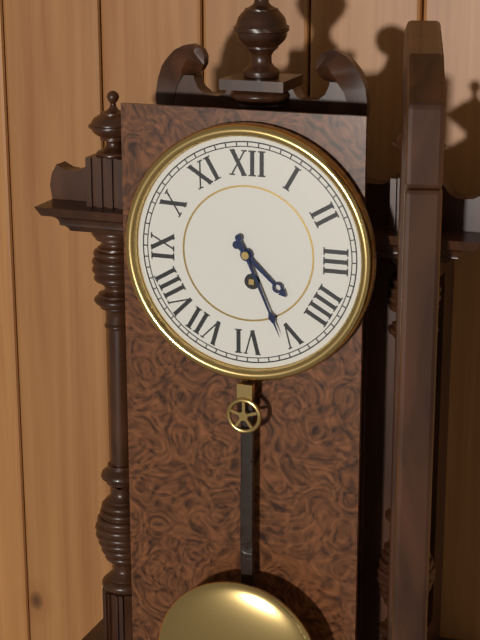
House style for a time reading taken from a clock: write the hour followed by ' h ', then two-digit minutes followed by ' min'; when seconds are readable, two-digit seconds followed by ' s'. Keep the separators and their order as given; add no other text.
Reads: 4 h 26 min
